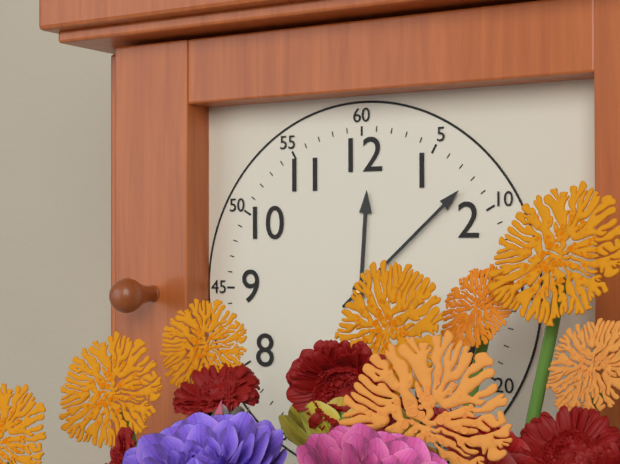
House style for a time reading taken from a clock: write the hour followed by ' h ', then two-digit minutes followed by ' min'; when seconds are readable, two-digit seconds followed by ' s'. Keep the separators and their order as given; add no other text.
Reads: 12 h 08 min
